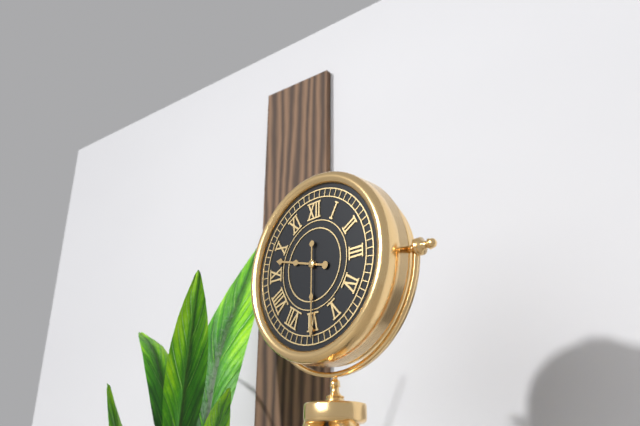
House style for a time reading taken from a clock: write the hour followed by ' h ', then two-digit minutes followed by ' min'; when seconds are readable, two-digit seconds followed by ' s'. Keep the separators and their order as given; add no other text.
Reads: 9 h 30 min
